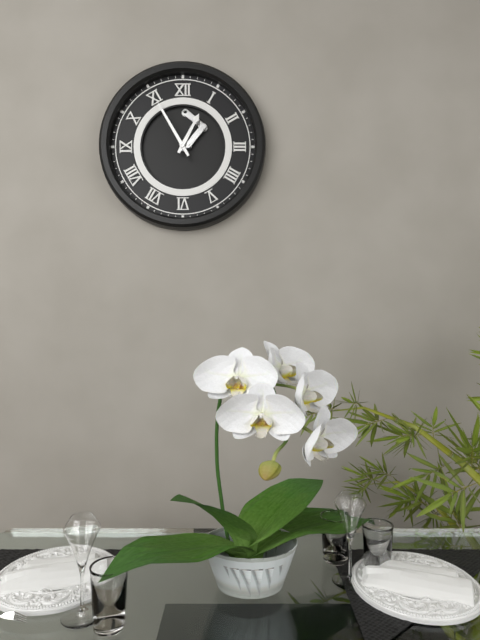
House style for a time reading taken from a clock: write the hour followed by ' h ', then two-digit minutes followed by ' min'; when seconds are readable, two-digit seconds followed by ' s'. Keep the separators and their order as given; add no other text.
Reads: 12 h 55 min
